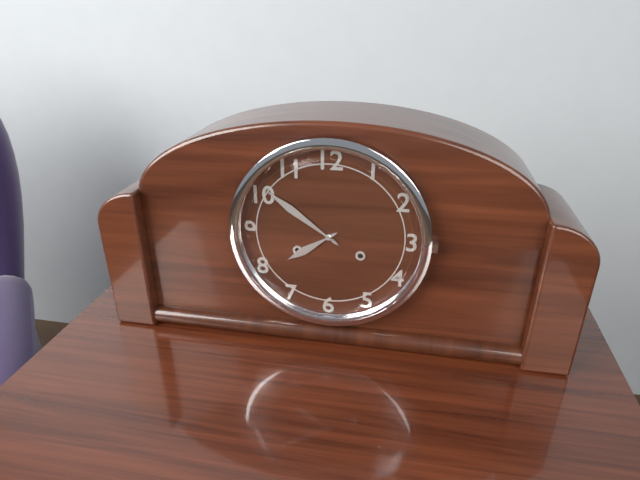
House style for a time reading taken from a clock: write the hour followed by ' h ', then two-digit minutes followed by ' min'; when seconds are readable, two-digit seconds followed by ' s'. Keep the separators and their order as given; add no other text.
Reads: 7 h 51 min
